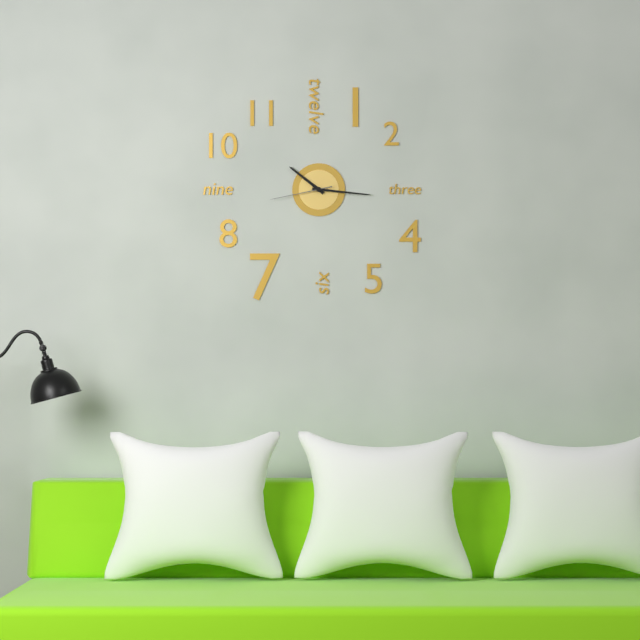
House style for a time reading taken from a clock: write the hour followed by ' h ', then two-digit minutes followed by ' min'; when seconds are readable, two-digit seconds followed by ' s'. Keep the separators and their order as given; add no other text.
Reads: 10 h 16 min 43 s
